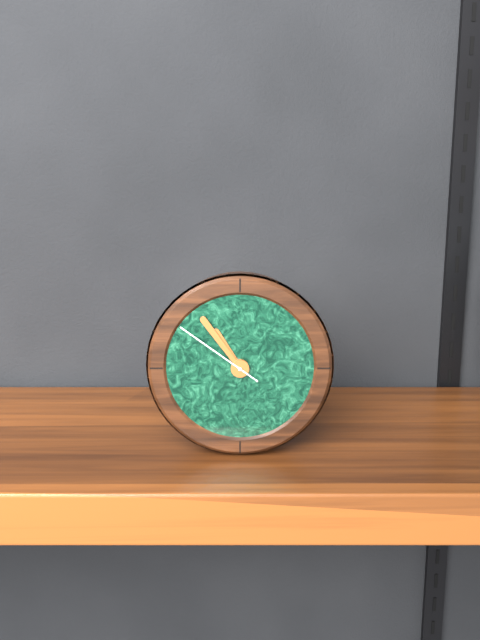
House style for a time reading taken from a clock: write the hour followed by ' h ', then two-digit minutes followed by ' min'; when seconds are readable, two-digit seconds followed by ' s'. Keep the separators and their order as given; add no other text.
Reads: 10 h 54 min 51 s
